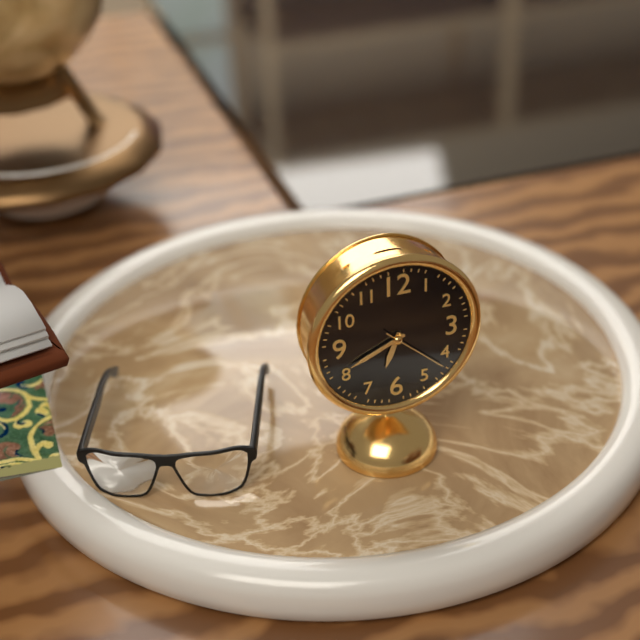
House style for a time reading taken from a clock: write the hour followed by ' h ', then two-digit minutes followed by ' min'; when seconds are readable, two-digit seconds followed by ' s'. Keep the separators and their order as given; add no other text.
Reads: 6 h 41 min 22 s
